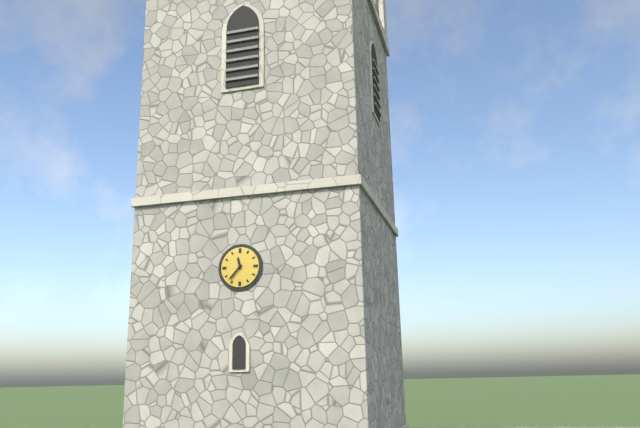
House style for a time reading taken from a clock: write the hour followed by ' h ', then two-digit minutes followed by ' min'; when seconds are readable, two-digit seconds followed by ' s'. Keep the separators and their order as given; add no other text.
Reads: 11 h 37 min
